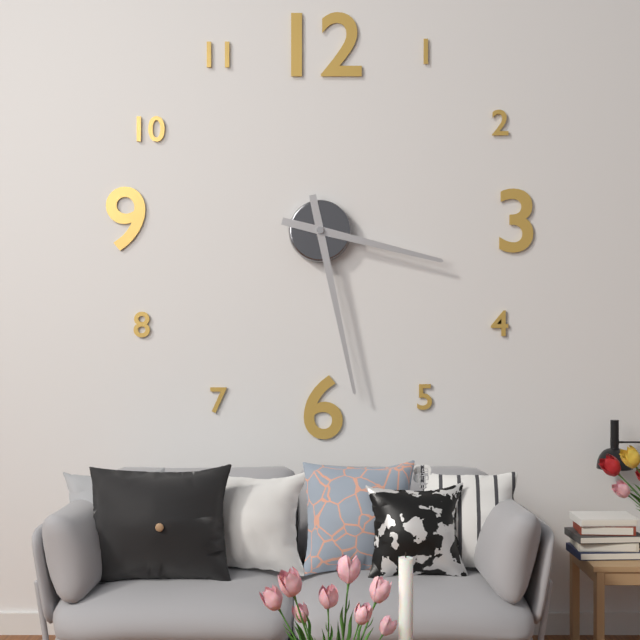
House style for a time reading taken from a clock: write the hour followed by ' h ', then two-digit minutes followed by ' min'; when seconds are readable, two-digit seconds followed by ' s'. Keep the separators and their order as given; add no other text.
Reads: 3 h 28 min
